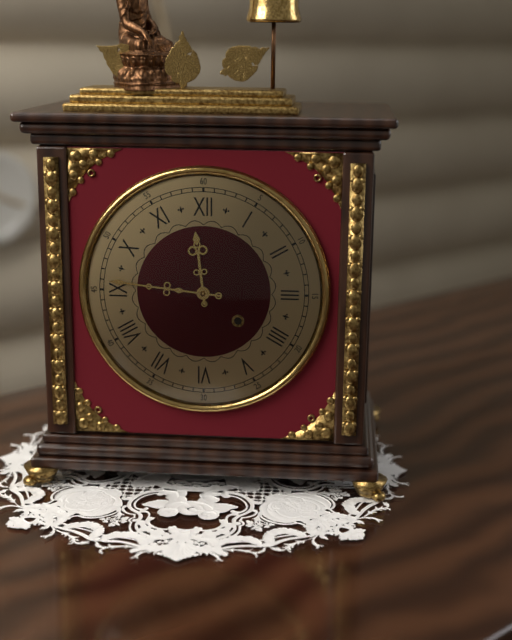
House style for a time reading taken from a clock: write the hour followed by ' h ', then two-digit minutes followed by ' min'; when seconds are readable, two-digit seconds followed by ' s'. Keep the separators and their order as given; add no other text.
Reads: 11 h 46 min
